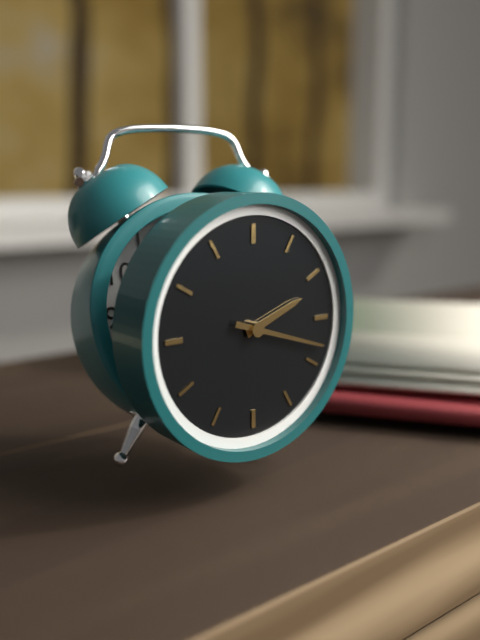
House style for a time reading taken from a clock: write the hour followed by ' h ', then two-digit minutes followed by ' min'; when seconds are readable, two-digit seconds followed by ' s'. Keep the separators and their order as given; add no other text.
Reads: 2 h 18 min
